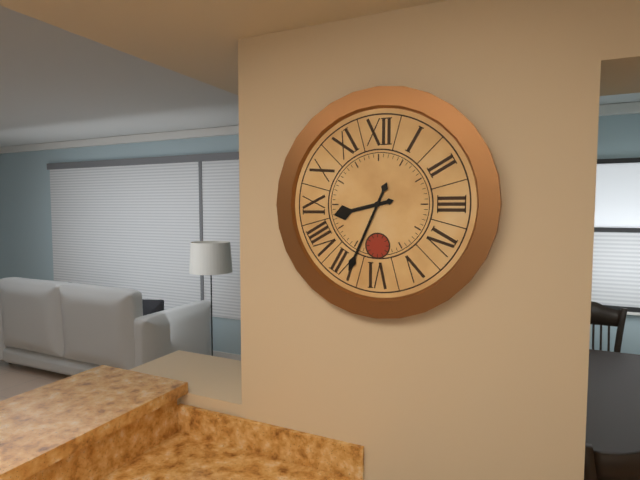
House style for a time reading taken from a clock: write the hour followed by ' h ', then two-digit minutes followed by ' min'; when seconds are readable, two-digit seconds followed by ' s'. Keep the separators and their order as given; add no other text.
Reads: 8 h 34 min
